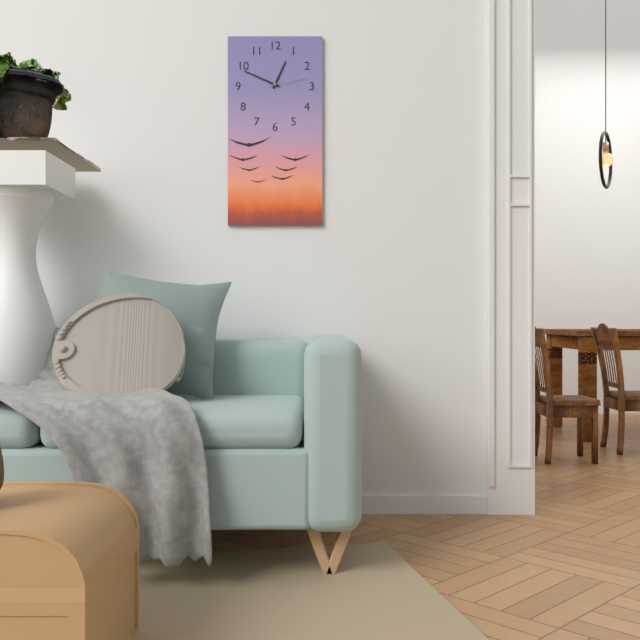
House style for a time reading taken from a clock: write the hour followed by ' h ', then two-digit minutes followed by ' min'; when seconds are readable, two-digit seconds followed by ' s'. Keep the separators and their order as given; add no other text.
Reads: 12 h 49 min
